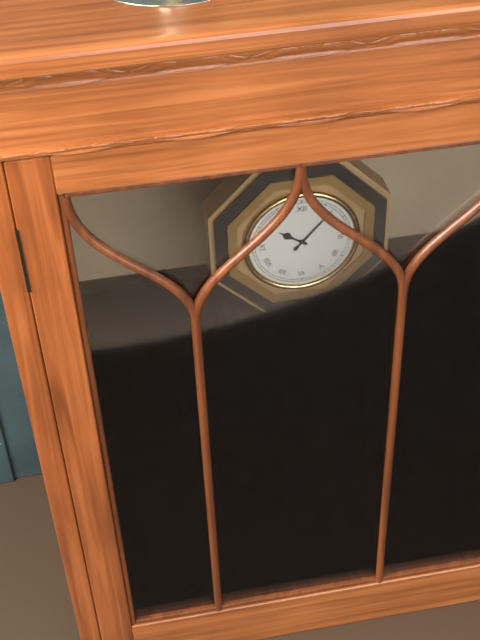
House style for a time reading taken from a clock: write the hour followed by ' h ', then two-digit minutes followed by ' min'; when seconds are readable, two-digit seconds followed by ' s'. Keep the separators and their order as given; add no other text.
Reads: 10 h 07 min
